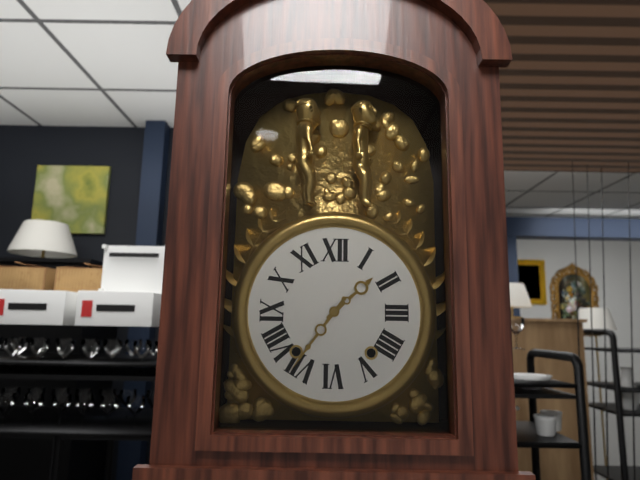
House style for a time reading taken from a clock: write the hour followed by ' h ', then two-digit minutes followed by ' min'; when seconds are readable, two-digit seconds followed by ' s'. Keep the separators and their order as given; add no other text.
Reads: 1 h 36 min
